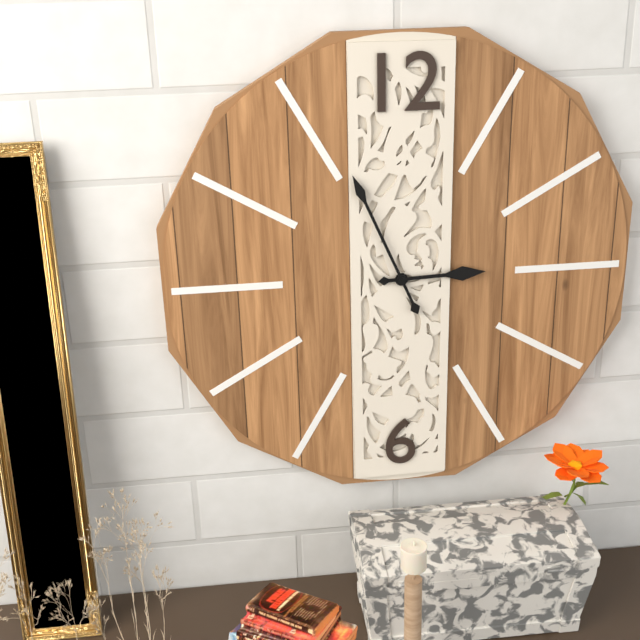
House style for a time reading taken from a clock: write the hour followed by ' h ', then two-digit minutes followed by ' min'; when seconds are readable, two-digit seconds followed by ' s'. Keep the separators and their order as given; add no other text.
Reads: 2 h 56 min
